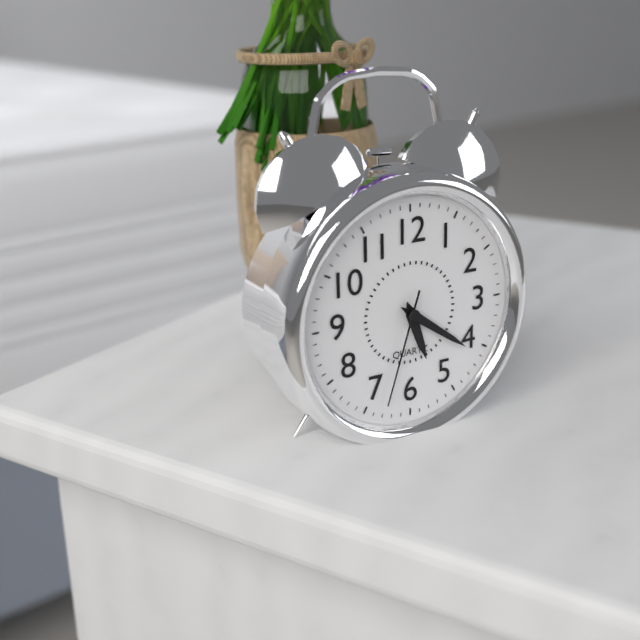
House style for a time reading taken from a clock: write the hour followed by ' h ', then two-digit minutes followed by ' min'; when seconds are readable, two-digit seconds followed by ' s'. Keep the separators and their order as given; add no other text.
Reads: 5 h 21 min 33 s
